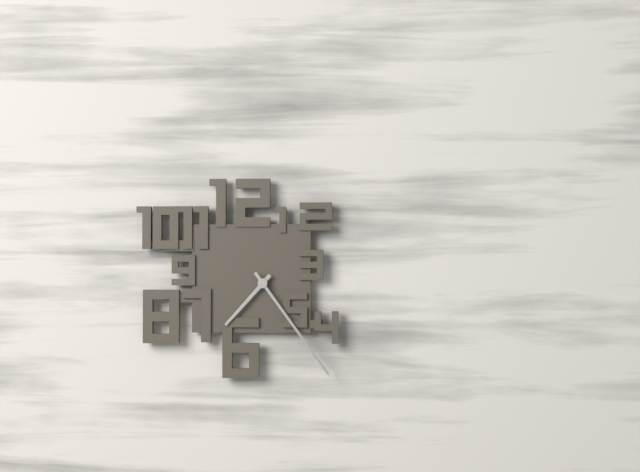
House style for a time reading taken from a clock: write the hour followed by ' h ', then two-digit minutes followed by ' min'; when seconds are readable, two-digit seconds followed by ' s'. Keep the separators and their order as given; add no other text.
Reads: 7 h 24 min
